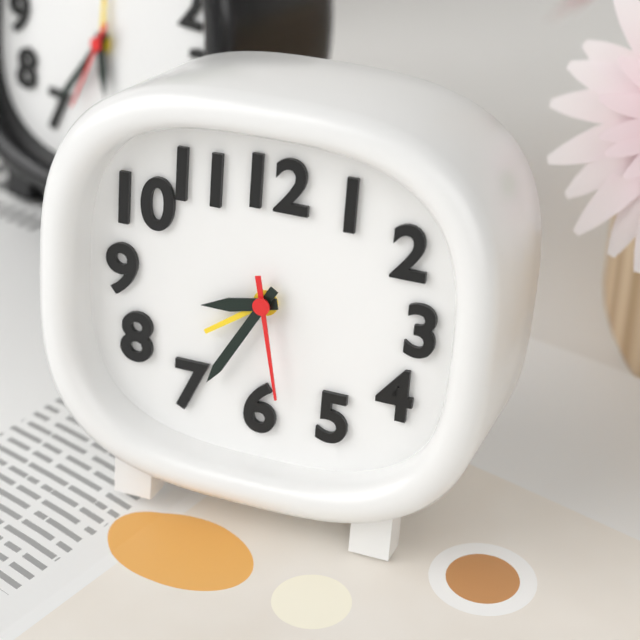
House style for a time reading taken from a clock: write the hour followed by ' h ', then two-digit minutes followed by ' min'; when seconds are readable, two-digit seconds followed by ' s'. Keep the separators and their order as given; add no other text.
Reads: 8 h 35 min 28 s
